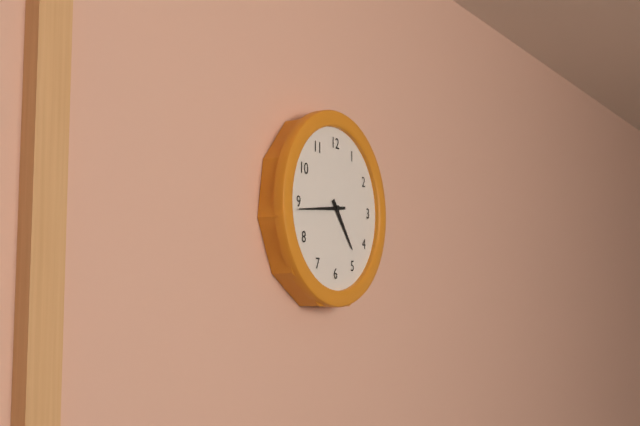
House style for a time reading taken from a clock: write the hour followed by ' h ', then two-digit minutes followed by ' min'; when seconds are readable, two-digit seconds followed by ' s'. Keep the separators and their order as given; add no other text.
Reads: 4 h 44 min
